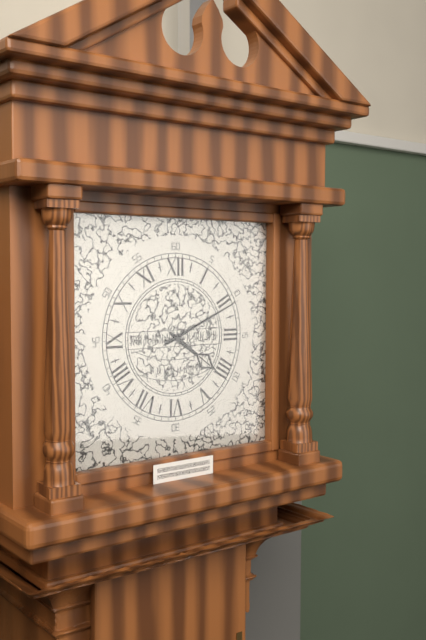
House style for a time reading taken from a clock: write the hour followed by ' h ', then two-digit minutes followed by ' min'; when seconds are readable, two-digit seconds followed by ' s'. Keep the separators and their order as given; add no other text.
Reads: 4 h 11 min
